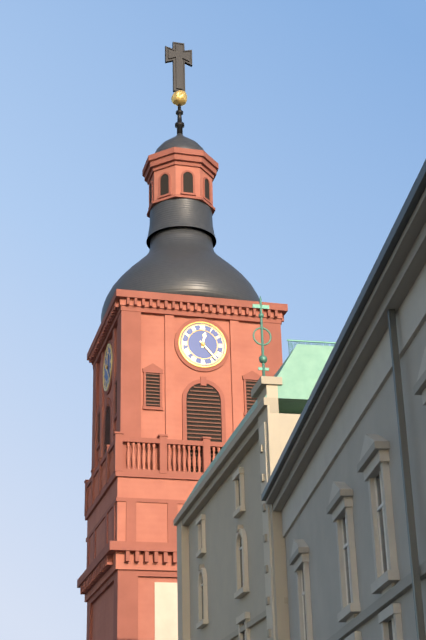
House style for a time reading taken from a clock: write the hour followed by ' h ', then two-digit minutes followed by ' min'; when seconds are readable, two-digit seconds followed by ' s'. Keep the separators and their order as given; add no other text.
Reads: 12 h 23 min
